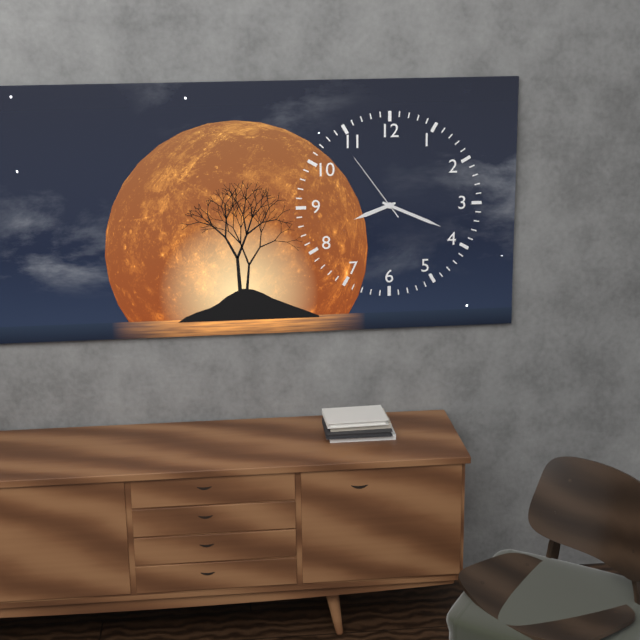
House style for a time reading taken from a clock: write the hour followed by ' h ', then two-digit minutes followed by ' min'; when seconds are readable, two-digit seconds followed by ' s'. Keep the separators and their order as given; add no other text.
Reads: 8 h 19 min 54 s
